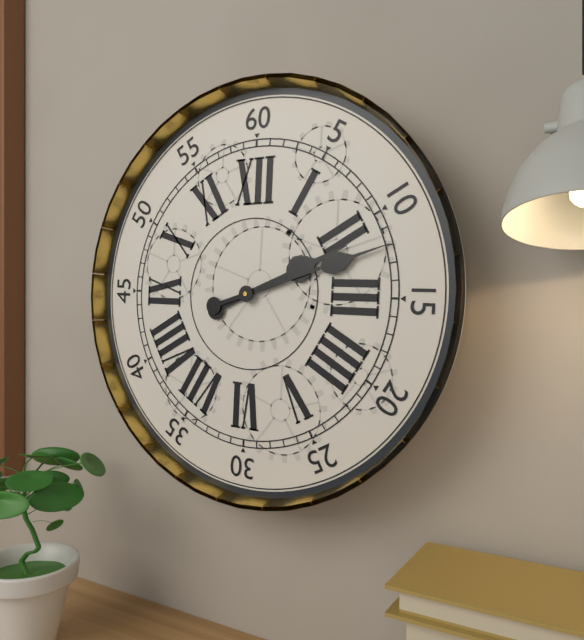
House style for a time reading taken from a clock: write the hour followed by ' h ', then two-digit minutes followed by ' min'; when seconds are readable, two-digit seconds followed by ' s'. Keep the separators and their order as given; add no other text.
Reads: 2 h 12 min
